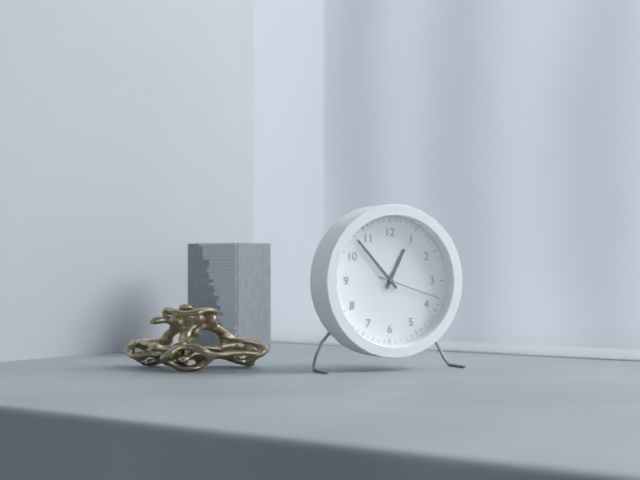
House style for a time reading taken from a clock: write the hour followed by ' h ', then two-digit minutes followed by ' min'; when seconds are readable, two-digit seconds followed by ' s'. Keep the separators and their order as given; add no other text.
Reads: 12 h 53 min 18 s
